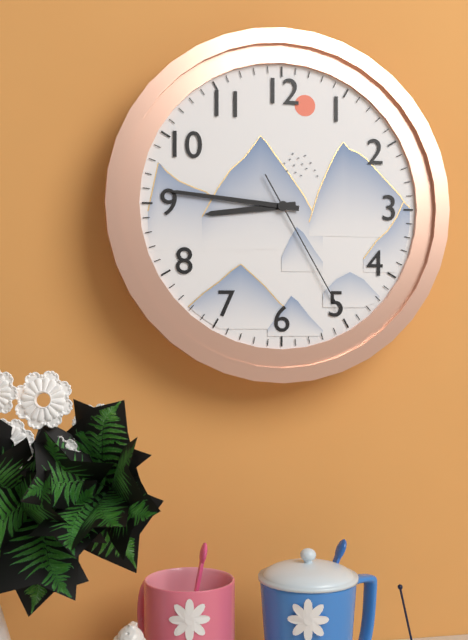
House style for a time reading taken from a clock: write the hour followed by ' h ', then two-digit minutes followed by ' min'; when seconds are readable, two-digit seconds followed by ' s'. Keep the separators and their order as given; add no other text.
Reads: 8 h 46 min 25 s
